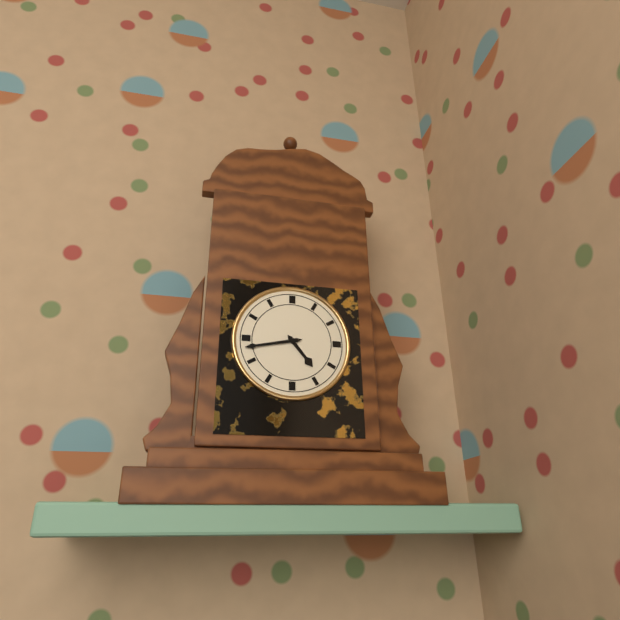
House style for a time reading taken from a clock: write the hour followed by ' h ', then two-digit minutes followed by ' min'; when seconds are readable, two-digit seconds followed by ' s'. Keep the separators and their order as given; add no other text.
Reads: 4 h 43 min
